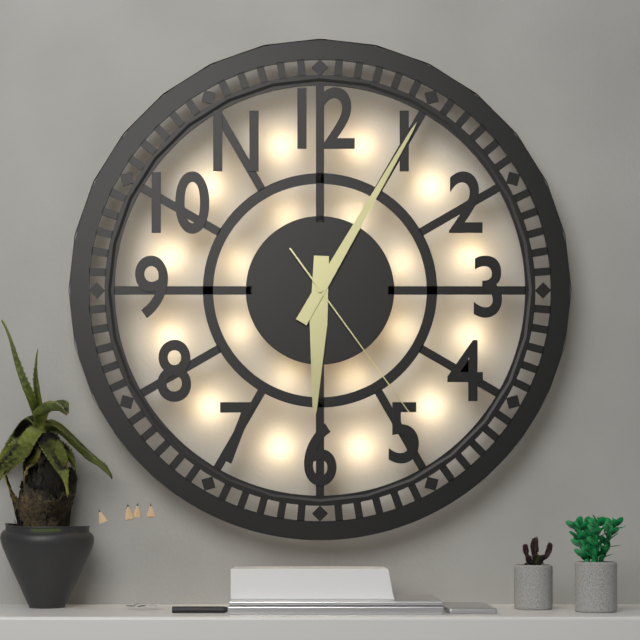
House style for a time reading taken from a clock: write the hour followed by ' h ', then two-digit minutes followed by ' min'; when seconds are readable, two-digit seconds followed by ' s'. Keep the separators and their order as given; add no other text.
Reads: 6 h 05 min 24 s
